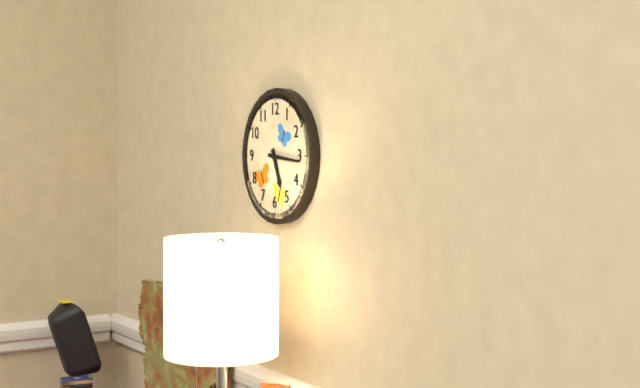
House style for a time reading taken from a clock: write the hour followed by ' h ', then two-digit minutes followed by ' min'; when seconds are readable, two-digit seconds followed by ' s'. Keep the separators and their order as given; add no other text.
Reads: 5 h 16 min
